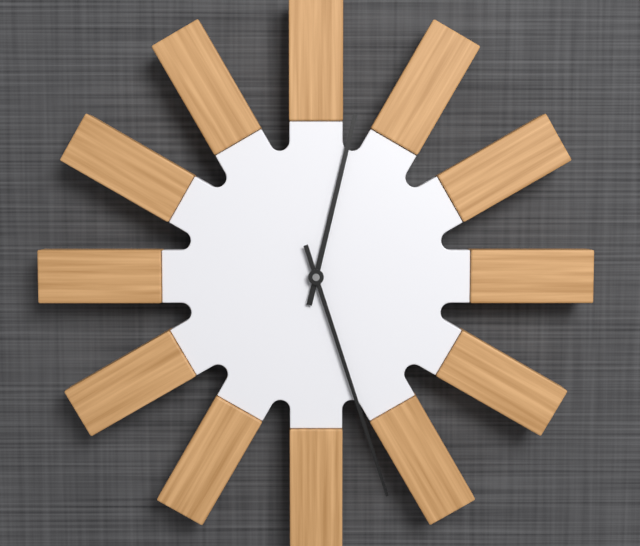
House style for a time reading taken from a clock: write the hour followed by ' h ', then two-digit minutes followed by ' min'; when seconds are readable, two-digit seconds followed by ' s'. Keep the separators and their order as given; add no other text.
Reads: 12 h 27 min
